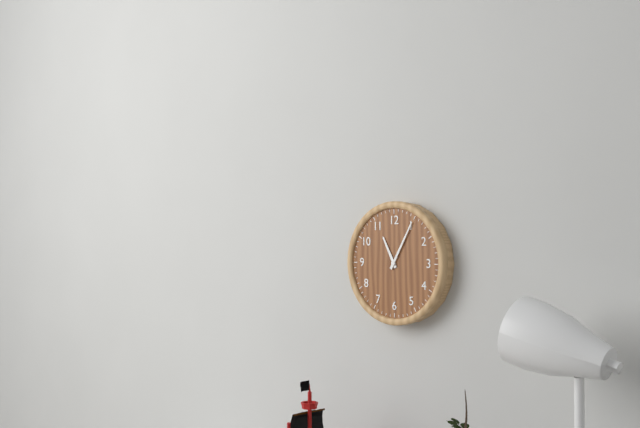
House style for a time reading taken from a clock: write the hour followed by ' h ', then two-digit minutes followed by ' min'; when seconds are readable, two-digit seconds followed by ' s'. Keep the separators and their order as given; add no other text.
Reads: 11 h 05 min
